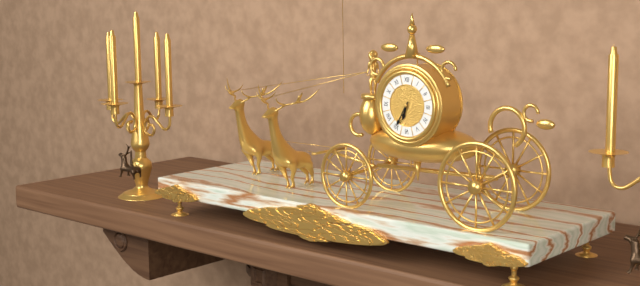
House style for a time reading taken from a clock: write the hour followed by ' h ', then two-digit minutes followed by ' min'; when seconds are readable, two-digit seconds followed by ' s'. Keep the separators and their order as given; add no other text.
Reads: 6 h 35 min
